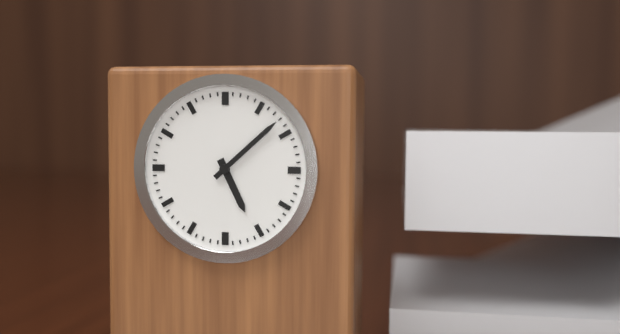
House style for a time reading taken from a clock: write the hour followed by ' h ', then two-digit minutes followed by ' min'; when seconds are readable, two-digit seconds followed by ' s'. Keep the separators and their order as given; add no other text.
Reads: 5 h 08 min
